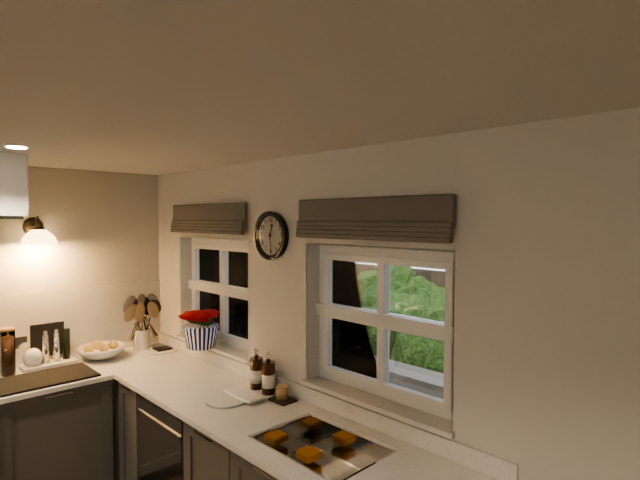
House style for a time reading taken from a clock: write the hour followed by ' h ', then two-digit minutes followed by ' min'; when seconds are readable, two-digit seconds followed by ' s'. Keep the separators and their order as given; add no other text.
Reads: 12 h 29 min
